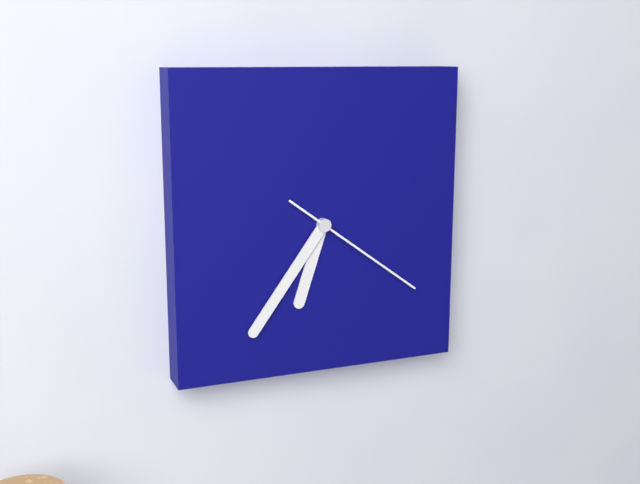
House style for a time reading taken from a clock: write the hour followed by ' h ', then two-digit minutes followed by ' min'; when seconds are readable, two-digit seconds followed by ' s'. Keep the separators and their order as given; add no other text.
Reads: 6 h 36 min 21 s
